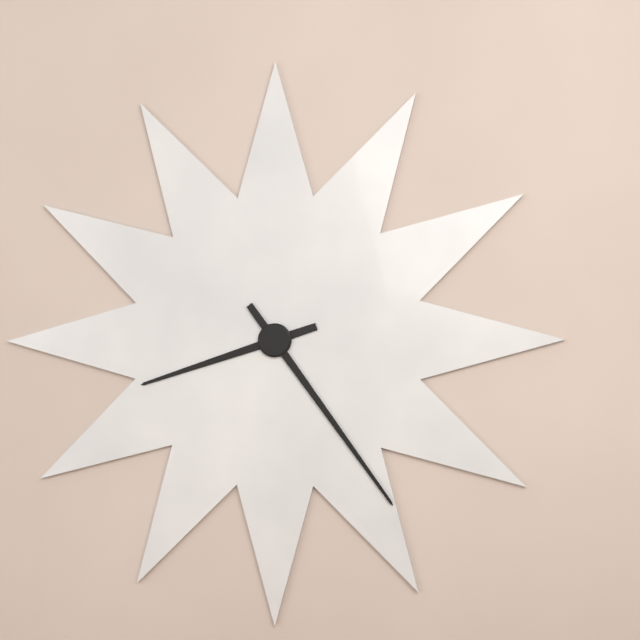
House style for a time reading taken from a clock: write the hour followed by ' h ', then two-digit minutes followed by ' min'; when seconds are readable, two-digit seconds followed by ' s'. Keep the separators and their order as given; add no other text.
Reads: 8 h 24 min
